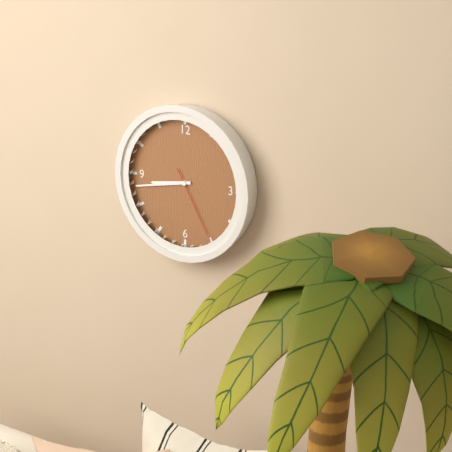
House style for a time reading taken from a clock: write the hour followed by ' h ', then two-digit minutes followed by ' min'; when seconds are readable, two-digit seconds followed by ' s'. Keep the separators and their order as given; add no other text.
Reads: 8 h 43 min 25 s
